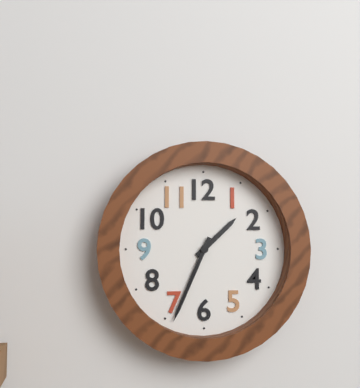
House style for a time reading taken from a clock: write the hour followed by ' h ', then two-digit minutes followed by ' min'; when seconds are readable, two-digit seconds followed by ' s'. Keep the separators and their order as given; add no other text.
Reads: 1 h 34 min
